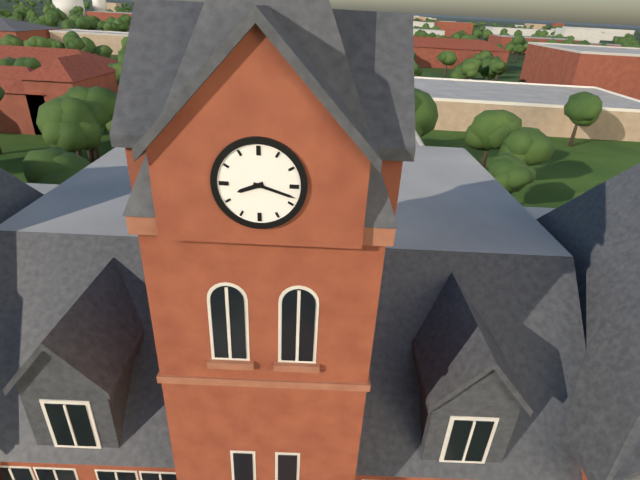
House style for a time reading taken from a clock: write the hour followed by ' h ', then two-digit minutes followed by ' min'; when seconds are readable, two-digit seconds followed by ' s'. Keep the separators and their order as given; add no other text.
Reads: 8 h 18 min
